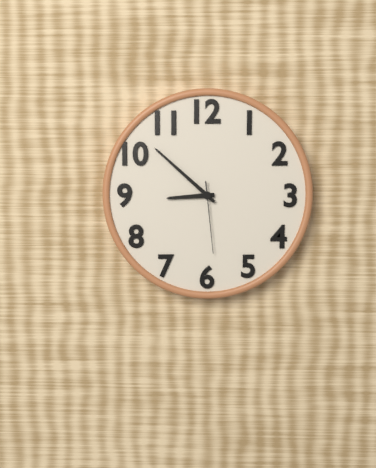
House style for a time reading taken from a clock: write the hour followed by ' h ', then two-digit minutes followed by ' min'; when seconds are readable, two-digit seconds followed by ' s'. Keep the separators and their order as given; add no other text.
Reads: 8 h 52 min 29 s
